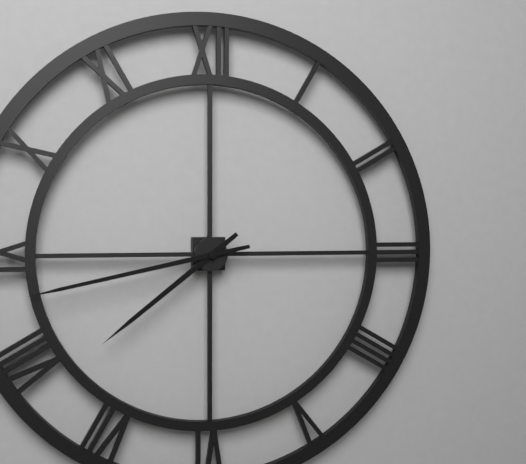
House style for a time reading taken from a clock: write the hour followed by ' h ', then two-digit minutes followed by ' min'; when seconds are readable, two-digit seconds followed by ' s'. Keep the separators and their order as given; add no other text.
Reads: 7 h 43 min
